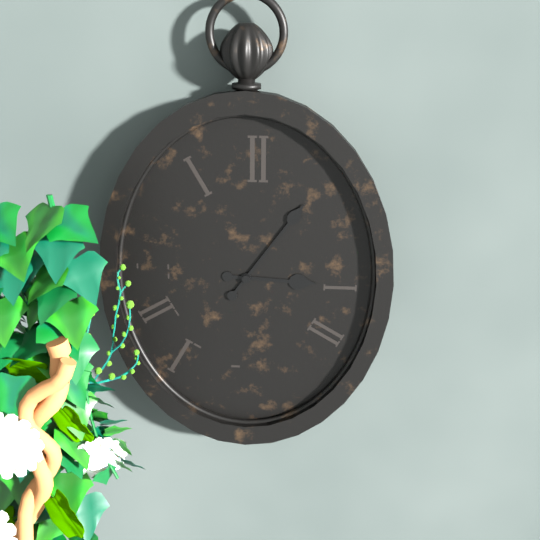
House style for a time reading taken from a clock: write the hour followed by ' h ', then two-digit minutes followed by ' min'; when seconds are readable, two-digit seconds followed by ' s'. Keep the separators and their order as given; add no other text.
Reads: 3 h 06 min
